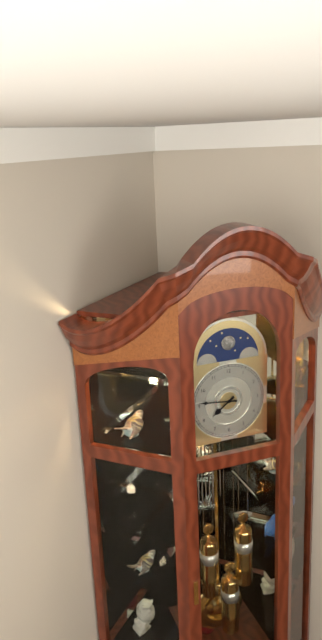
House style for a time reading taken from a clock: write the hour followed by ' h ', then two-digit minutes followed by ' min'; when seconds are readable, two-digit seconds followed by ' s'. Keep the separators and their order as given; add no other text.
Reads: 7 h 46 min
